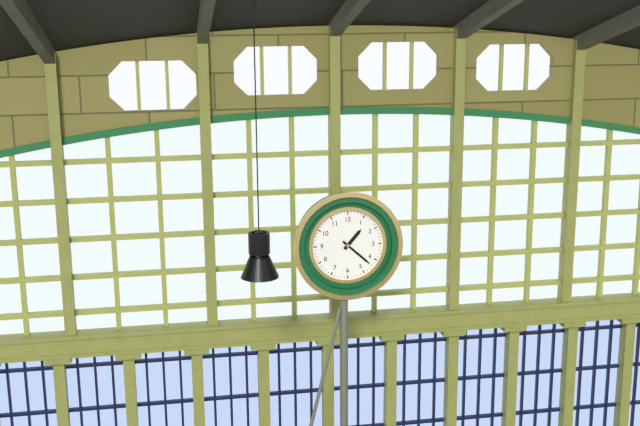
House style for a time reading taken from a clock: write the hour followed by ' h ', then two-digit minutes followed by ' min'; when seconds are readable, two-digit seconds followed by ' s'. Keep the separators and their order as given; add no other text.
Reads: 1 h 22 min
